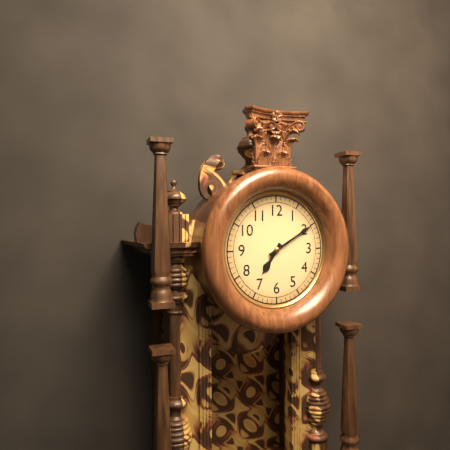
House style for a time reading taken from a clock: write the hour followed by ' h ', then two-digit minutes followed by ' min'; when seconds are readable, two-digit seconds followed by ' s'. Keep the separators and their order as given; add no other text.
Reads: 7 h 10 min
